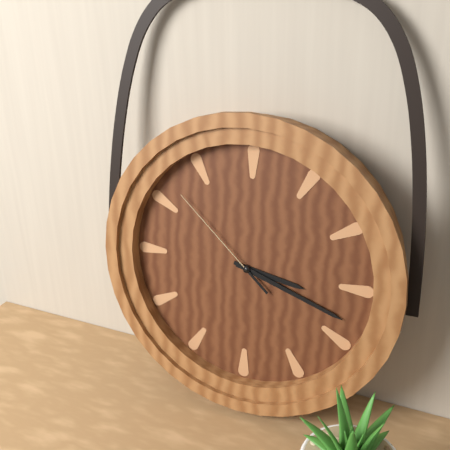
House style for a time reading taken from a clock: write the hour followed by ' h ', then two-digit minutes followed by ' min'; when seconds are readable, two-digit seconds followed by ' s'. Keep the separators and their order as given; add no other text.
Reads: 3 h 18 min 52 s
